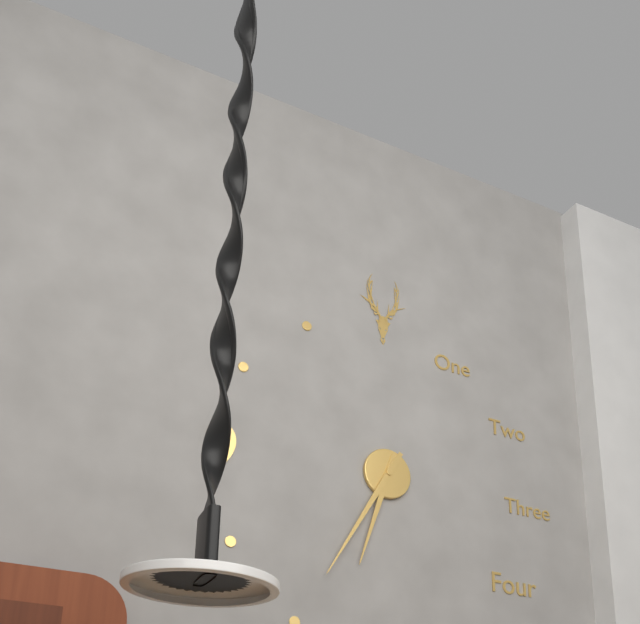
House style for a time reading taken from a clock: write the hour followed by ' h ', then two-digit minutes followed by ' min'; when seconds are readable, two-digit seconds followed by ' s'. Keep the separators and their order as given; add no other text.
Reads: 6 h 35 min
